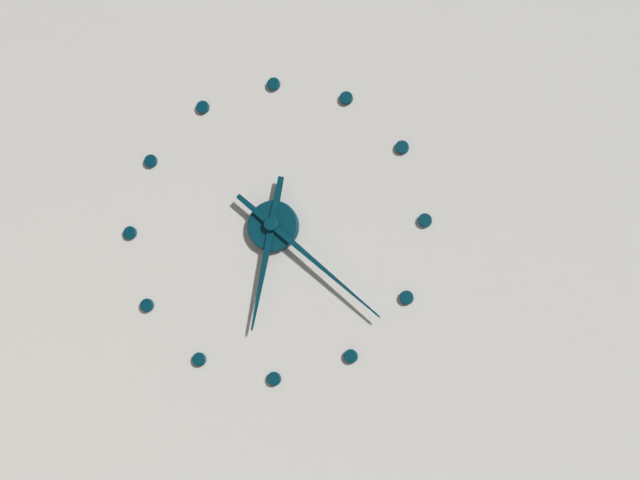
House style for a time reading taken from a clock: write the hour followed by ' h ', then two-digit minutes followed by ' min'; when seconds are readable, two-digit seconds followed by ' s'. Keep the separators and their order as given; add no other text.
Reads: 6 h 22 min
